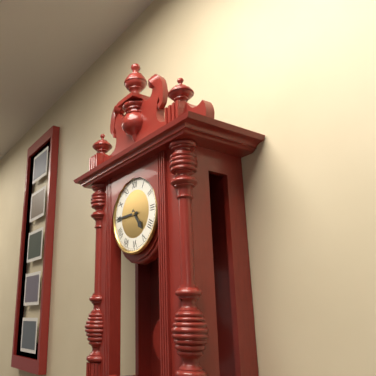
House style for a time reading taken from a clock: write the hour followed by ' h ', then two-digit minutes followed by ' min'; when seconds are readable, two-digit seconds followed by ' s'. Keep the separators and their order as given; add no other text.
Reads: 4 h 45 min
